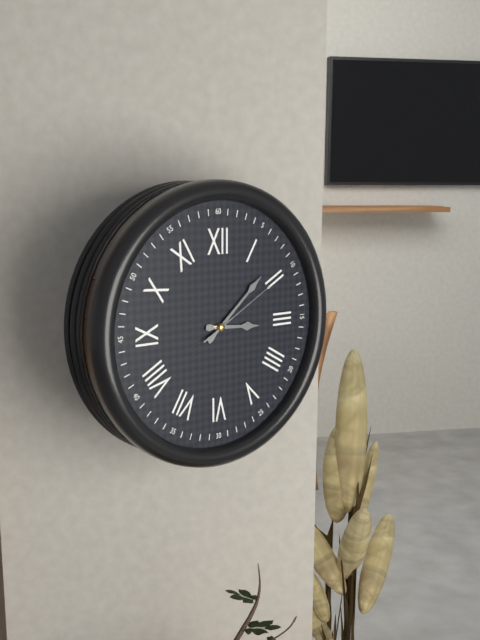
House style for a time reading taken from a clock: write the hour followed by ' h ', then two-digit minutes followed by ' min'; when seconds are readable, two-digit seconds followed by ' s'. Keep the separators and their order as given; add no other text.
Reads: 3 h 08 min 10 s
